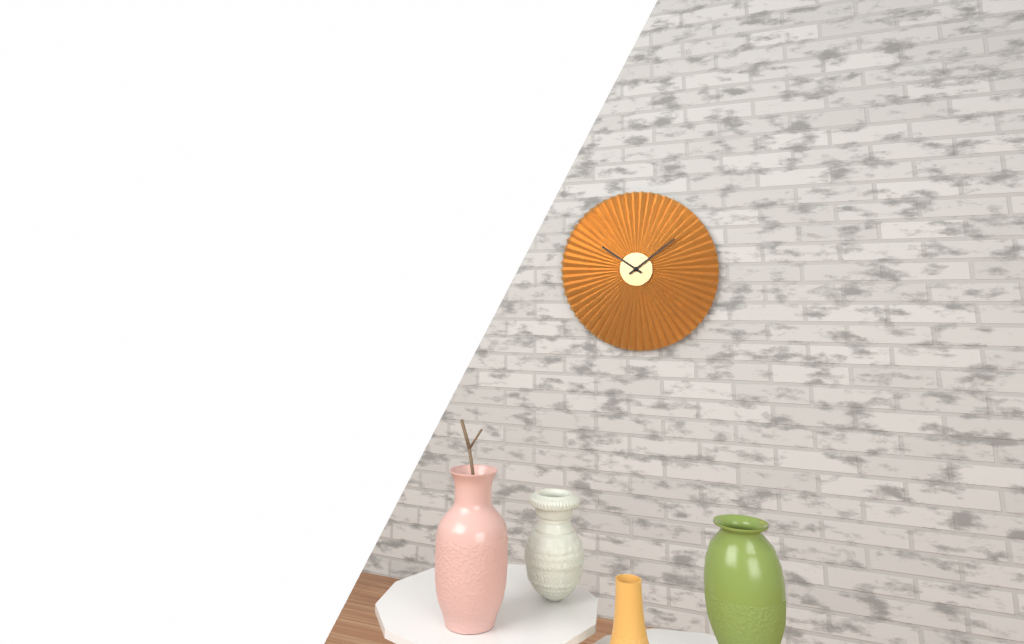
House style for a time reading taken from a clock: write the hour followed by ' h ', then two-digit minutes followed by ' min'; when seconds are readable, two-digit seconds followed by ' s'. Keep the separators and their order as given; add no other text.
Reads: 10 h 09 min
